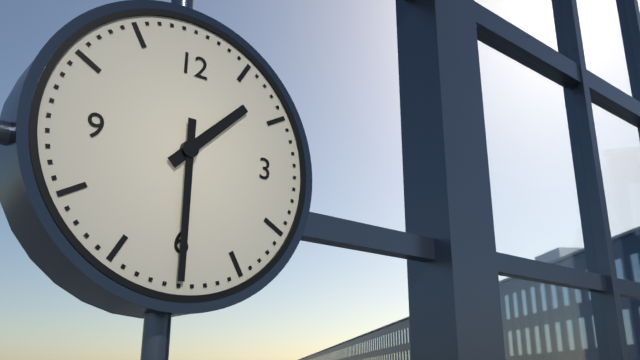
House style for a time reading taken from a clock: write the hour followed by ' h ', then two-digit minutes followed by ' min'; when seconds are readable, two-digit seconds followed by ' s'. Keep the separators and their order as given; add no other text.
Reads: 1 h 30 min
